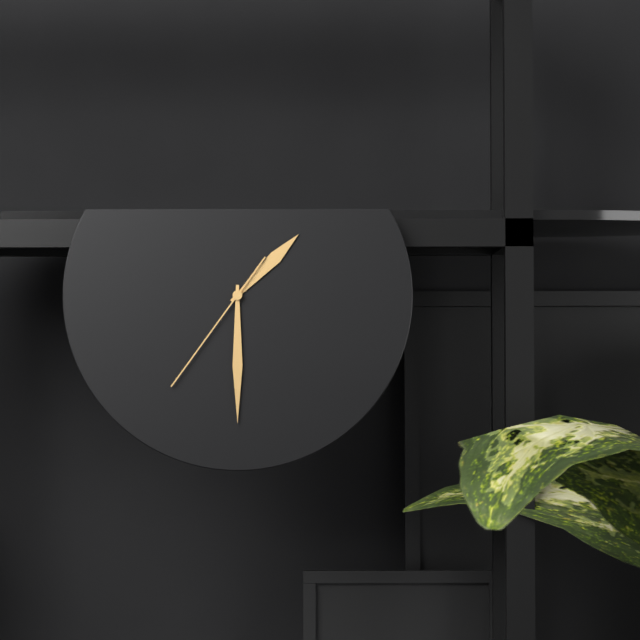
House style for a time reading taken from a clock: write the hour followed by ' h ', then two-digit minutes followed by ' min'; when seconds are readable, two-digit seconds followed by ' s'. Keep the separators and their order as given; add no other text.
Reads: 1 h 30 min 36 s
